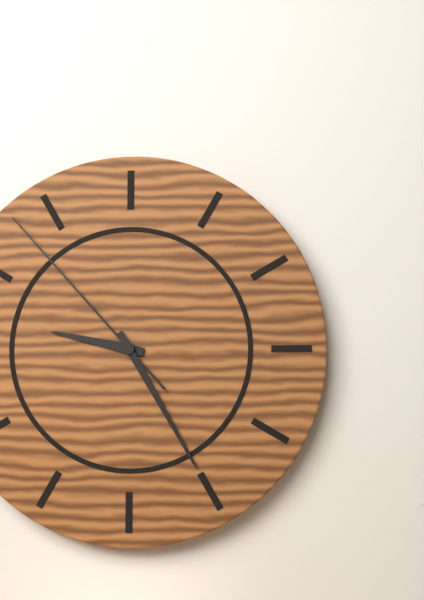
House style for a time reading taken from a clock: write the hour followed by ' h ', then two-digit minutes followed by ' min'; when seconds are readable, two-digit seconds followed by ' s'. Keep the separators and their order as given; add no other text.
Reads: 9 h 25 min 53 s
